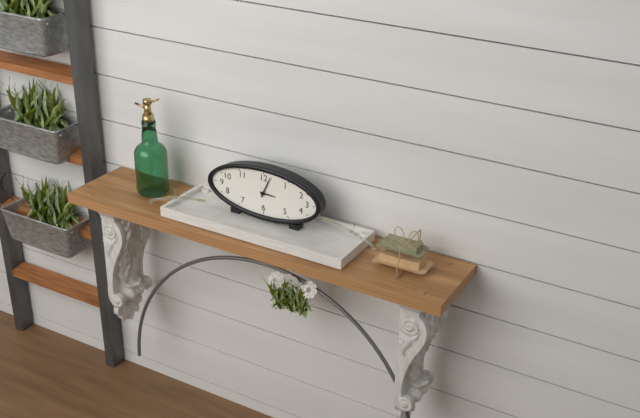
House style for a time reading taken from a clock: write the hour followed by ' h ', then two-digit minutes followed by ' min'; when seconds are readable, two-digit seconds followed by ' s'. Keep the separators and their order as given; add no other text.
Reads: 3 h 04 min
